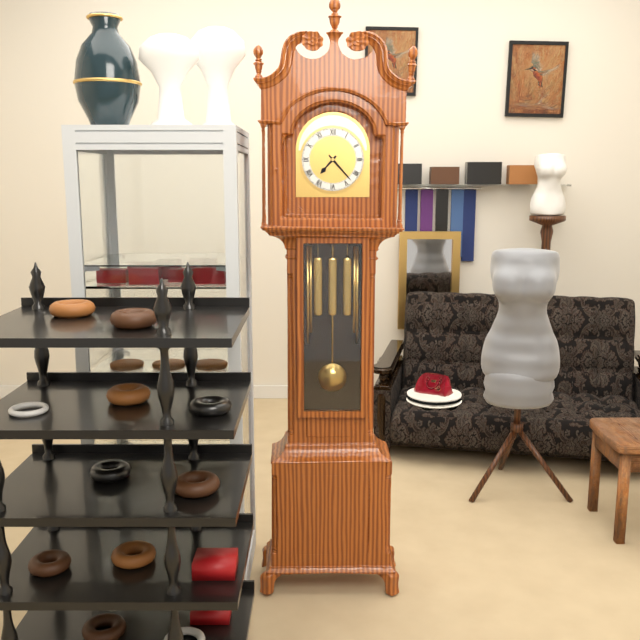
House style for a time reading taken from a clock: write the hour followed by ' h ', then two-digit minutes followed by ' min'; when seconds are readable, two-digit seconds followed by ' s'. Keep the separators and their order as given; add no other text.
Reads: 7 h 23 min
